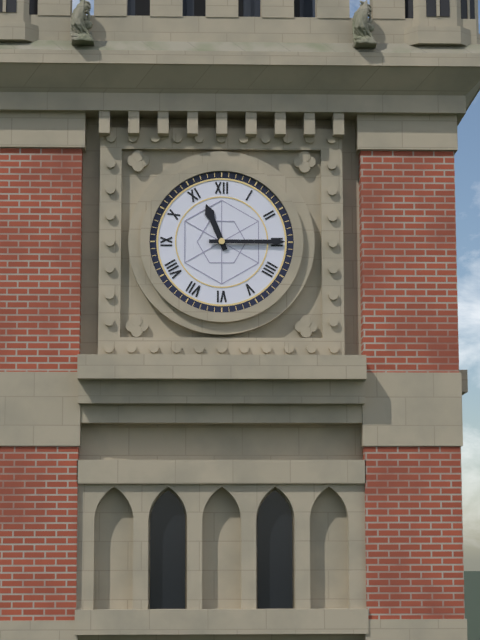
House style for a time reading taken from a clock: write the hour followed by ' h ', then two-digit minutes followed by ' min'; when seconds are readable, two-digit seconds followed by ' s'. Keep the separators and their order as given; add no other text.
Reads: 11 h 15 min
